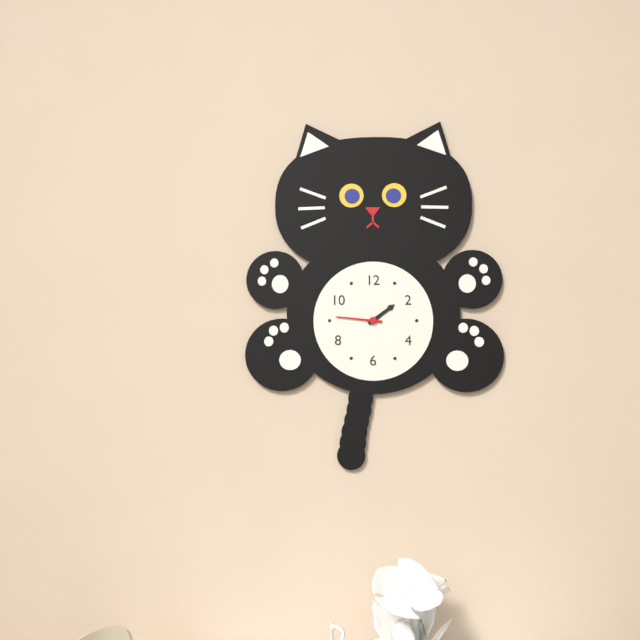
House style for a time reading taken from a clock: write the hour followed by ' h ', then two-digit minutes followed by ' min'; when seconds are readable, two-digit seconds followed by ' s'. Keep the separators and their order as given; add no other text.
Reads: 1 h 46 min
